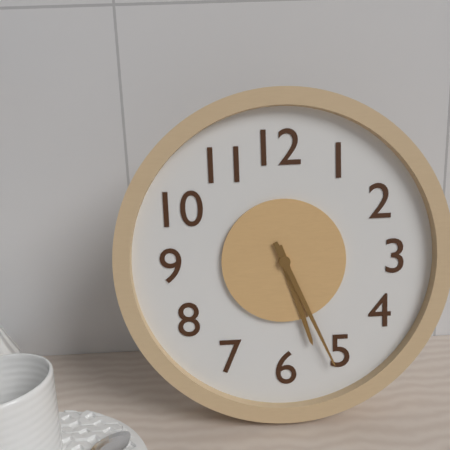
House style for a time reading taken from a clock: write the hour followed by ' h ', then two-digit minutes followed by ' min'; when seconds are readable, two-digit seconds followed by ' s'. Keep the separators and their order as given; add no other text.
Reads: 5 h 26 min
